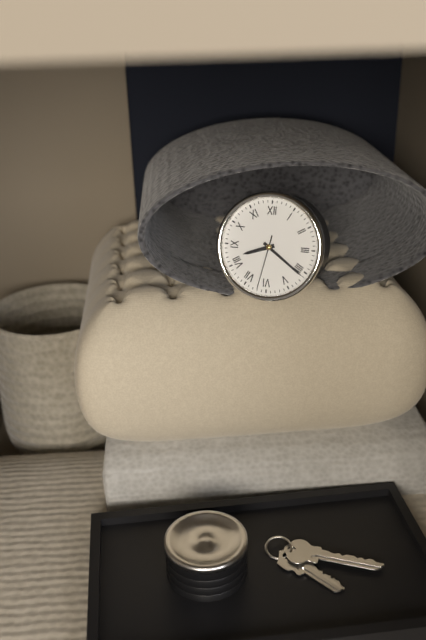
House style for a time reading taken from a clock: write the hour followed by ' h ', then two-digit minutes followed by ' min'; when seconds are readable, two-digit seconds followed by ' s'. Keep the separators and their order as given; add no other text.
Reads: 8 h 21 min 32 s
